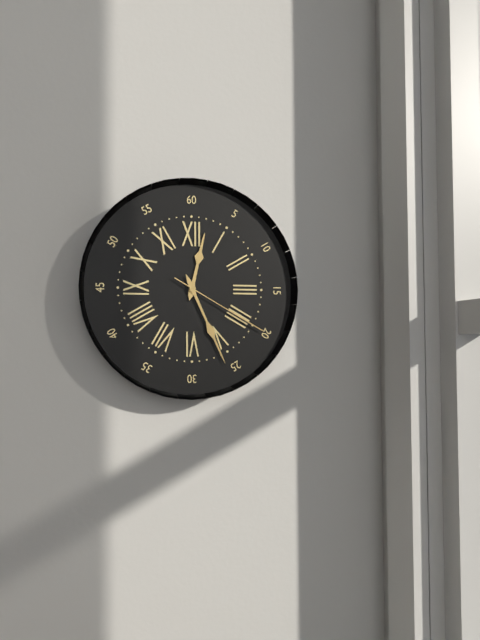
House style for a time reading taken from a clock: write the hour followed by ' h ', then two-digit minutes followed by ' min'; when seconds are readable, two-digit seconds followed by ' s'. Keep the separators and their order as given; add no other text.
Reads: 12 h 26 min 20 s
